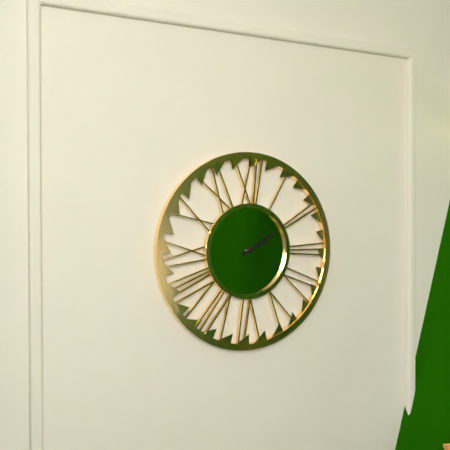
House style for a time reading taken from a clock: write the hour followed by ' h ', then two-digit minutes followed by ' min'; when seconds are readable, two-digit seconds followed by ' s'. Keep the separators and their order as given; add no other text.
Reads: 2 h 10 min
